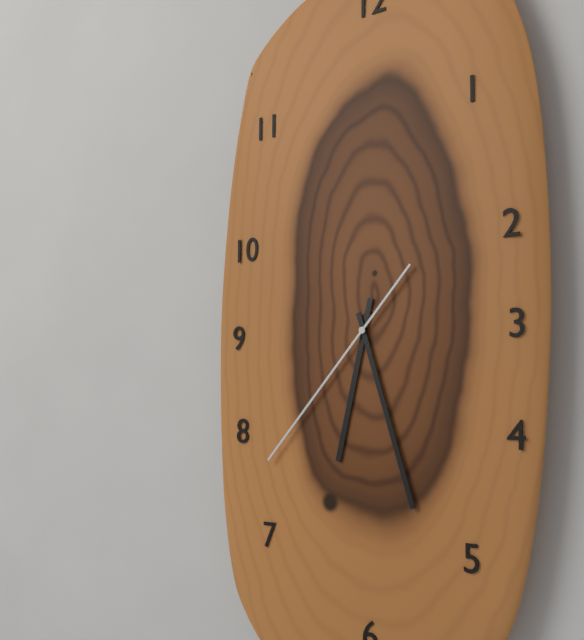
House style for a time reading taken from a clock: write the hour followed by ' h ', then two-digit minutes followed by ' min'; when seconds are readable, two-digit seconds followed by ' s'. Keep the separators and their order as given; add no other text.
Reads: 6 h 27 min 37 s
